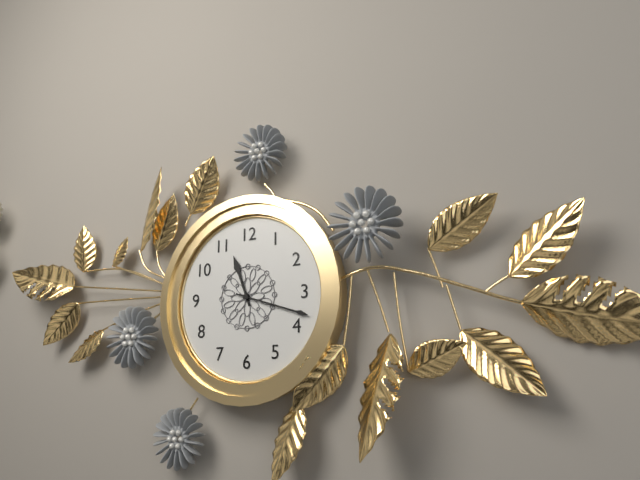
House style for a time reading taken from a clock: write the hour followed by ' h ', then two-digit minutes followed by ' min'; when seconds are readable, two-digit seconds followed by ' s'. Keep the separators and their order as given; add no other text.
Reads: 11 h 18 min
